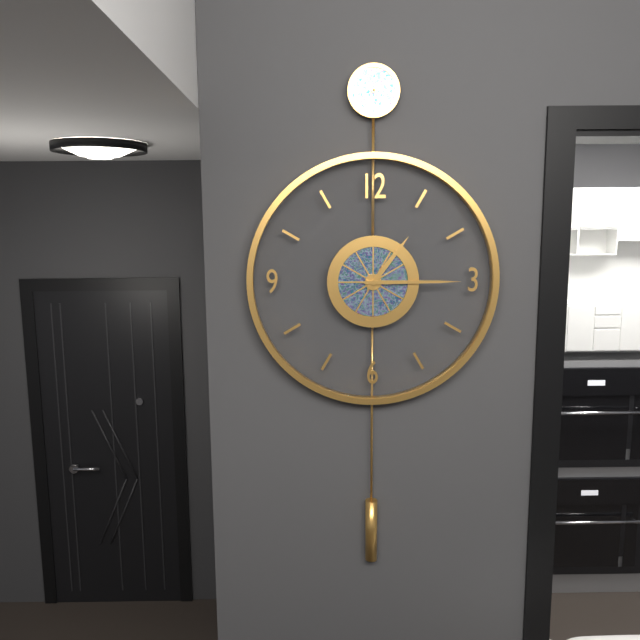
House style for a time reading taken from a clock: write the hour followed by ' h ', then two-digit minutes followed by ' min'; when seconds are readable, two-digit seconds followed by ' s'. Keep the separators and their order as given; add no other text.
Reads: 1 h 15 min
